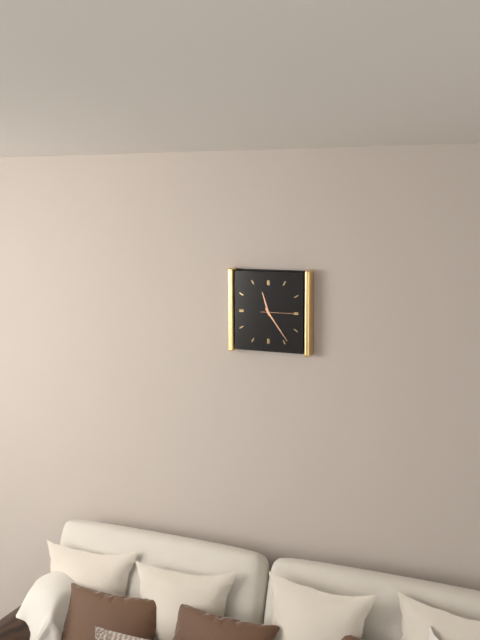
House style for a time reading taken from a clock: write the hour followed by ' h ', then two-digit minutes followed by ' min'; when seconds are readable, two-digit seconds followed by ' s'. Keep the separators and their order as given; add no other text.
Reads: 11 h 24 min
